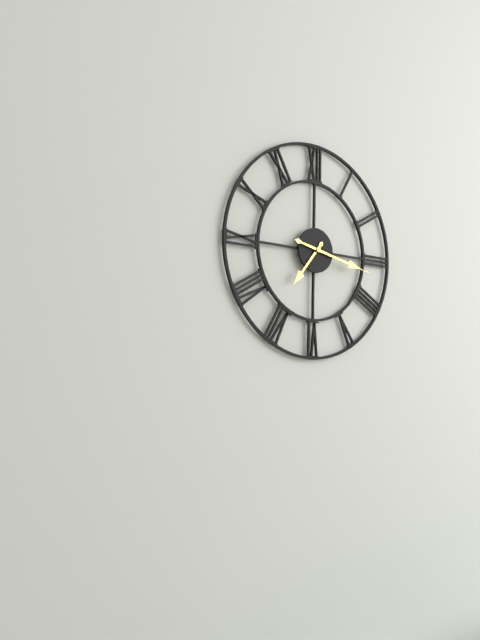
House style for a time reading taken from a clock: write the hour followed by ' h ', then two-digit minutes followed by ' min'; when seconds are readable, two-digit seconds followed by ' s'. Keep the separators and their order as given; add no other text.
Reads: 7 h 17 min
